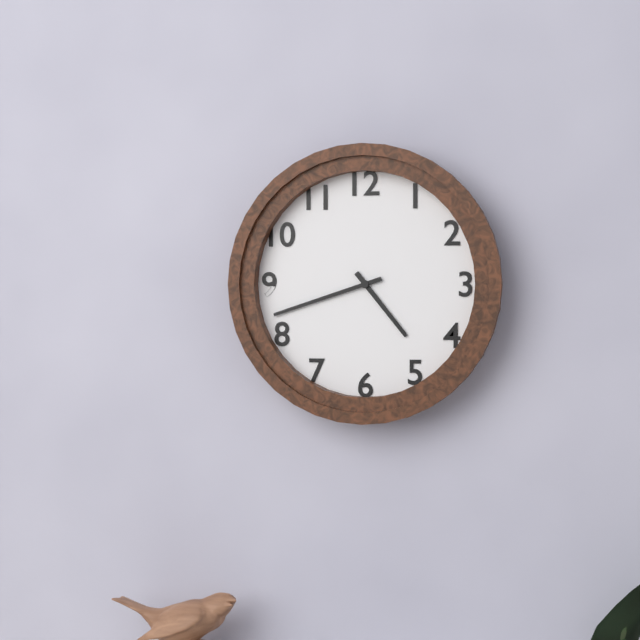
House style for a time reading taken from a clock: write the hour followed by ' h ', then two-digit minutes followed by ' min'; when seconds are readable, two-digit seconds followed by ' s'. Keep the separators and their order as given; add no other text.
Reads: 4 h 42 min
